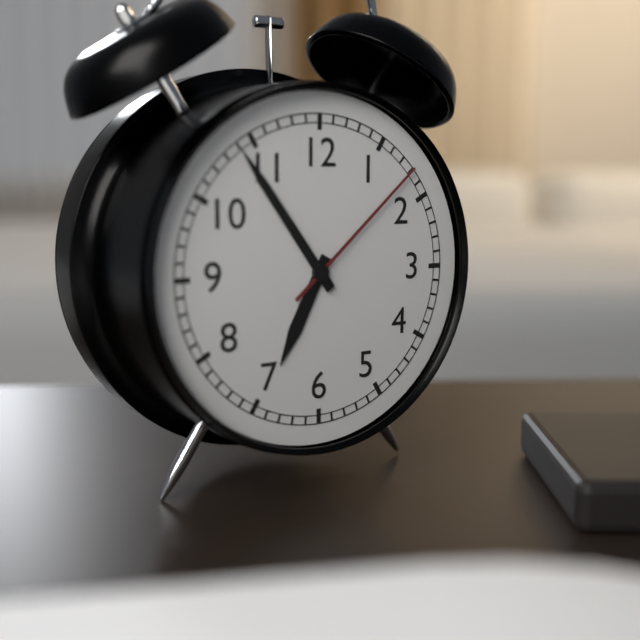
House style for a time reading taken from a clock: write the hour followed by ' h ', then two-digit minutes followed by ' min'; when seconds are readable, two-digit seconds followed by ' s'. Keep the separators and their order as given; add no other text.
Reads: 6 h 54 min 08 s
